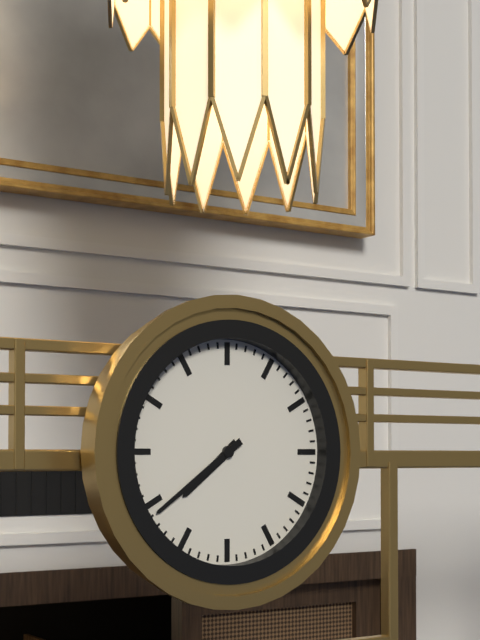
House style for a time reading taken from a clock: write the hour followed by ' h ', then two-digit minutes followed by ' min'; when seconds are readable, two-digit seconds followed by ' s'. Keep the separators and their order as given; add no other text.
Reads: 7 h 39 min
